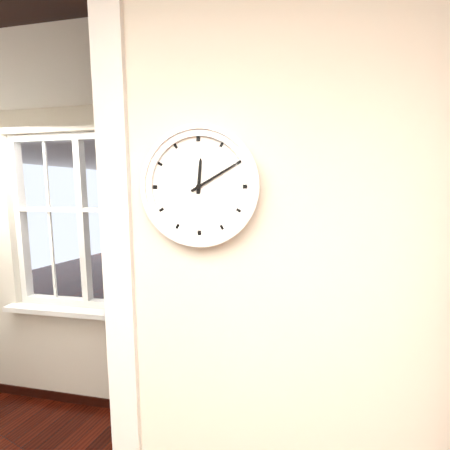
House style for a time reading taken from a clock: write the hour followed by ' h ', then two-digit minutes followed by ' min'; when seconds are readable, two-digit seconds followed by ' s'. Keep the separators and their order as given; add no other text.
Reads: 12 h 10 min
